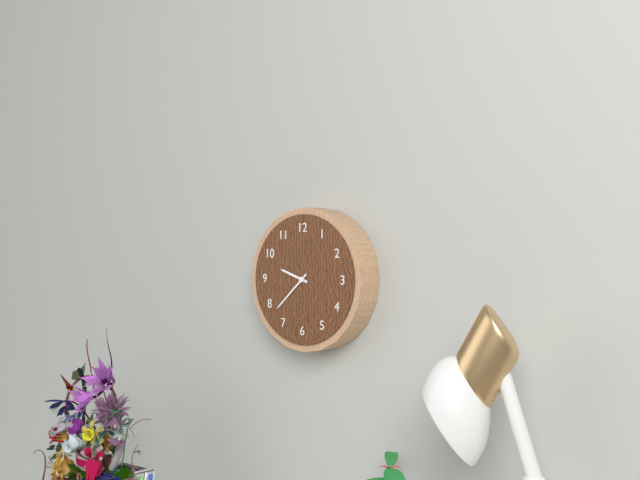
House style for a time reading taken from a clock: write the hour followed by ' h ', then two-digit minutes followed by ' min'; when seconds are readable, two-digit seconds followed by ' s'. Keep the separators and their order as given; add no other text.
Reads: 9 h 38 min
